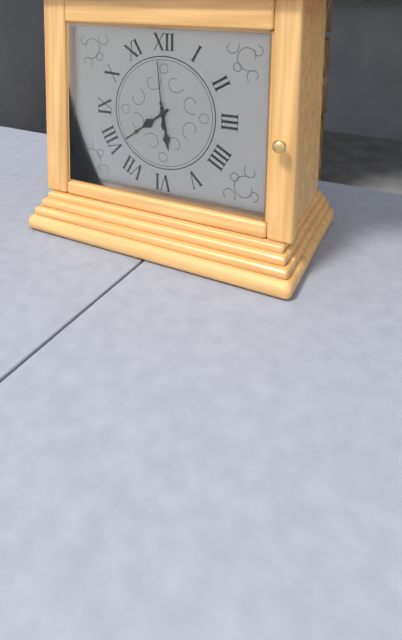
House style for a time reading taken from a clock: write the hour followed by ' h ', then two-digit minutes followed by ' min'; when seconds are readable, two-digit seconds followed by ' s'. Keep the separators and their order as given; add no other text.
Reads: 5 h 39 min 59 s
